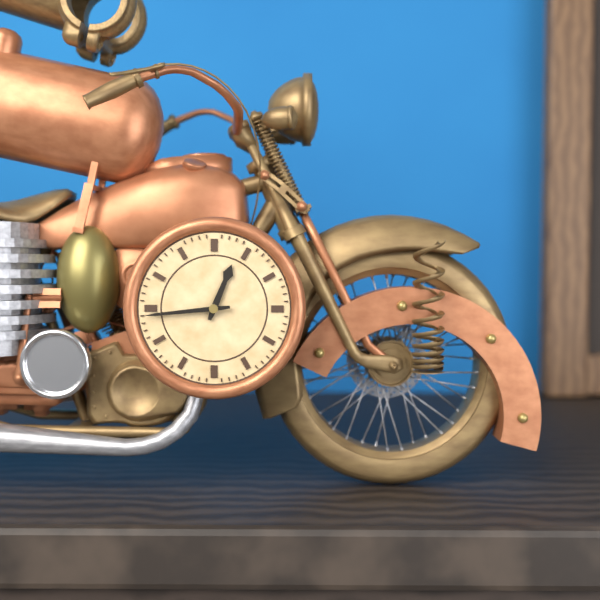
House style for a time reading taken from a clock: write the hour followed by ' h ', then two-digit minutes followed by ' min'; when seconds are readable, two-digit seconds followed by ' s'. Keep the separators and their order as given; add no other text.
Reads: 12 h 44 min
